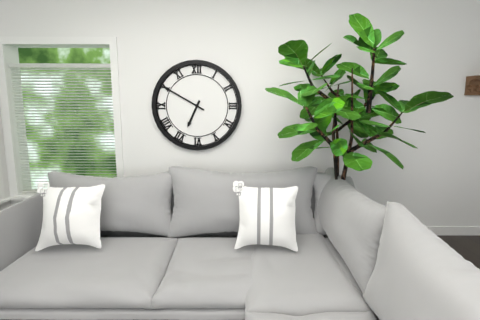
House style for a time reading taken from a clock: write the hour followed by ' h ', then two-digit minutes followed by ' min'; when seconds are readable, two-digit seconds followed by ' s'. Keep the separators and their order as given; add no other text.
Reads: 6 h 50 min
